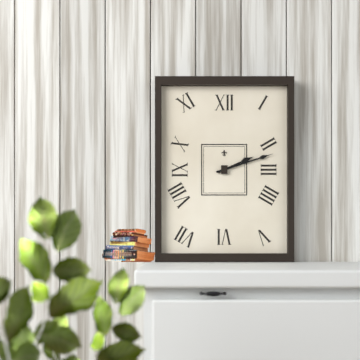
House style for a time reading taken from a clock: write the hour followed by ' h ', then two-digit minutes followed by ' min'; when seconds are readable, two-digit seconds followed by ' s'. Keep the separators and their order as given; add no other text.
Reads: 2 h 12 min
